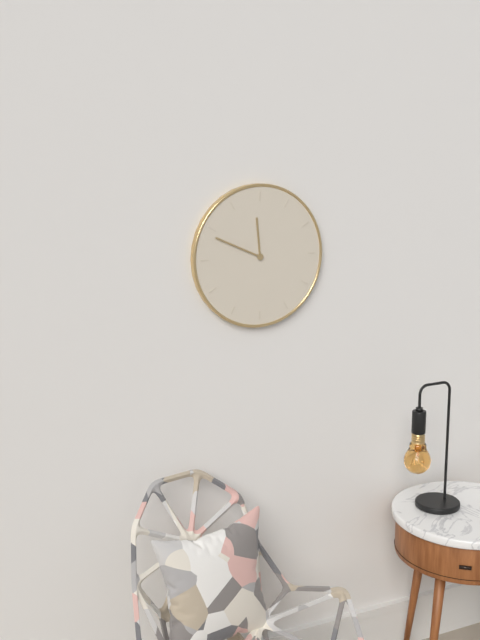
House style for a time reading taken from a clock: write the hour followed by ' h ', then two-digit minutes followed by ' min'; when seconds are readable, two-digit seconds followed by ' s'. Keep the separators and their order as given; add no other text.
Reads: 11 h 49 min
